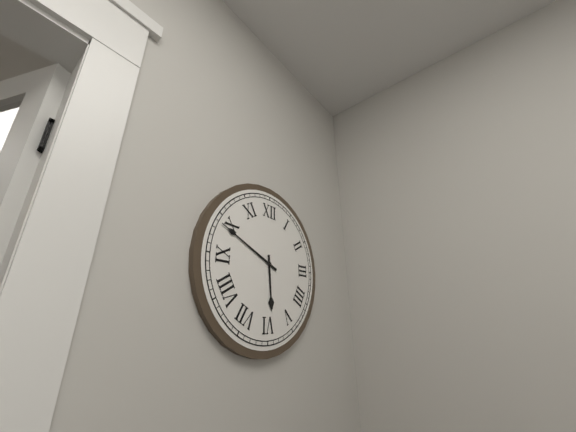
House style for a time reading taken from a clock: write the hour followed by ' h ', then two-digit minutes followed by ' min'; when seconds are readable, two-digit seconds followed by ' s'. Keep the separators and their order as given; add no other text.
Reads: 5 h 49 min
